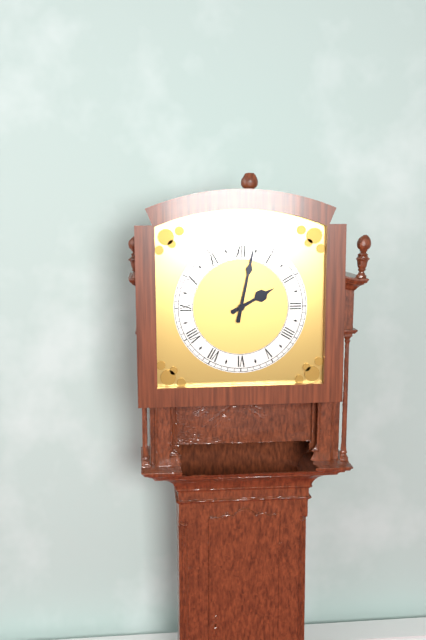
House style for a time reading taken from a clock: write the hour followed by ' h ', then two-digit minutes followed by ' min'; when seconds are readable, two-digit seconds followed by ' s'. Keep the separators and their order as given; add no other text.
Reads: 2 h 02 min
